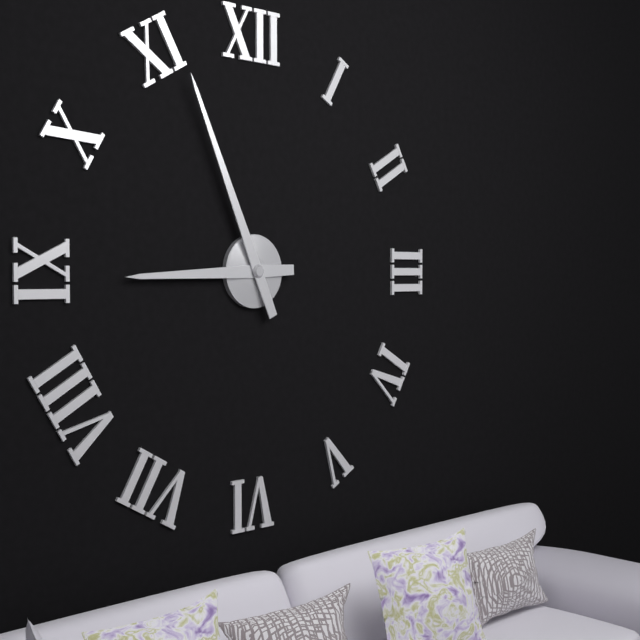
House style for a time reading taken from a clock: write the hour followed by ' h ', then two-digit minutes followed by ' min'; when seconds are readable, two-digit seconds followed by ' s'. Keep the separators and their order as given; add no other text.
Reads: 8 h 56 min
